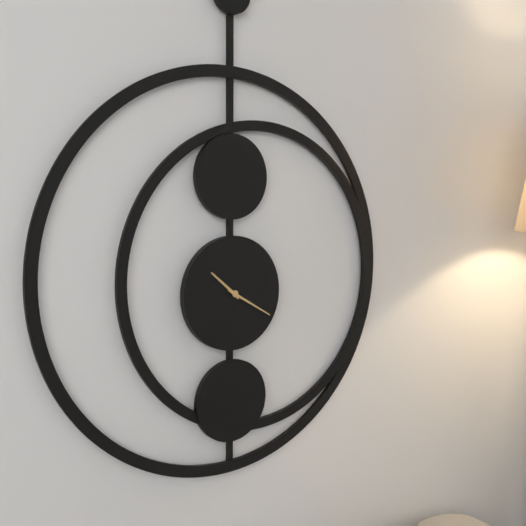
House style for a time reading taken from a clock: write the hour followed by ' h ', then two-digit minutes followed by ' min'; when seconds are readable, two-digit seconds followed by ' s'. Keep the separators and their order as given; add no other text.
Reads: 10 h 20 min
